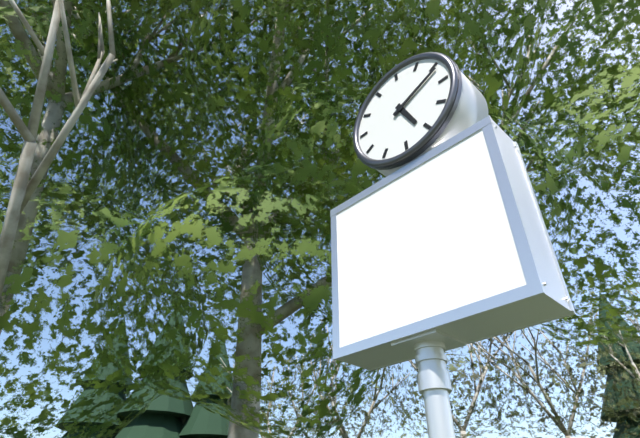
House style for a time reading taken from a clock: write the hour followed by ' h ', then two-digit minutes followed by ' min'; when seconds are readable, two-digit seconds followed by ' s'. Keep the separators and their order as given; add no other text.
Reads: 5 h 11 min
